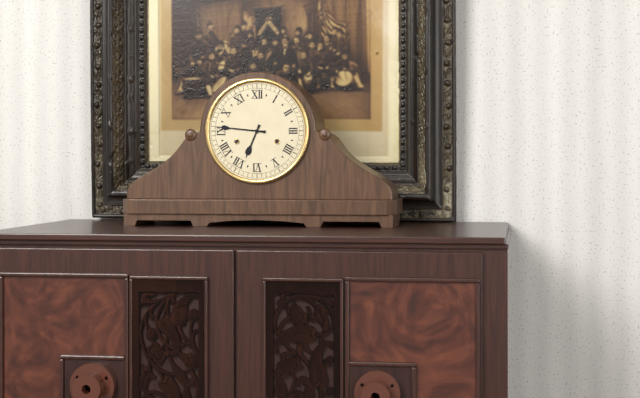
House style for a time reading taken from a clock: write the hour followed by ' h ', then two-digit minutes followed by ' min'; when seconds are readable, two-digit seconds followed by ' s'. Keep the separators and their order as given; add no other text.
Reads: 6 h 46 min
